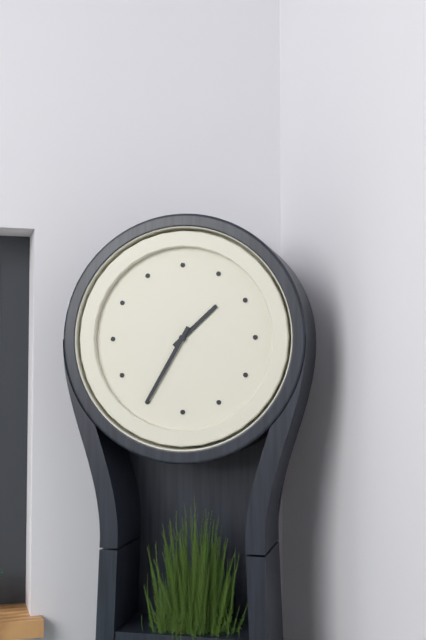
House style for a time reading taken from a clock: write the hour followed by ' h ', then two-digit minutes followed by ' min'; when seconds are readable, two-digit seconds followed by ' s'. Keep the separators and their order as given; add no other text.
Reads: 1 h 35 min
